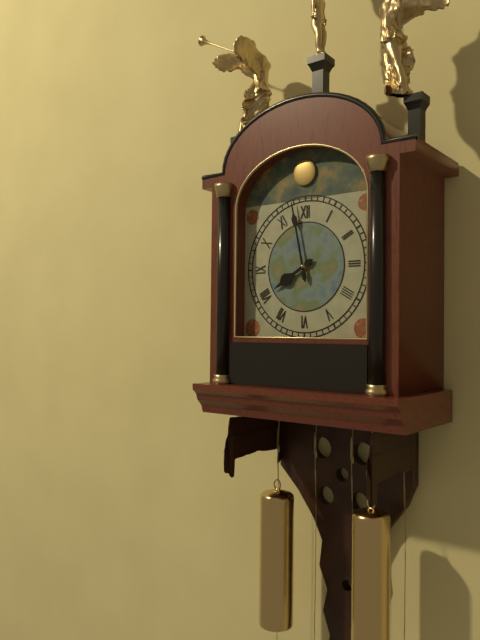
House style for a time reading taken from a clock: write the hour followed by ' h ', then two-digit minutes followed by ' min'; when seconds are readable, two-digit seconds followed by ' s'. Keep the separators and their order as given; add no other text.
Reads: 7 h 58 min
